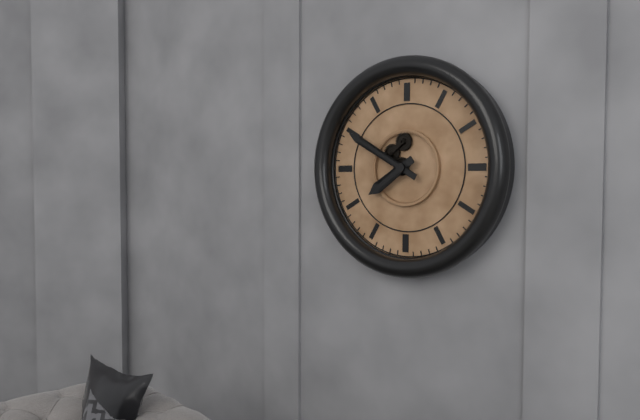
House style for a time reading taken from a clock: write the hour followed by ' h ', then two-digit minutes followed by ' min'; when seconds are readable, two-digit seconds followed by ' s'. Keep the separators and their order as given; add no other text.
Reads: 7 h 50 min
